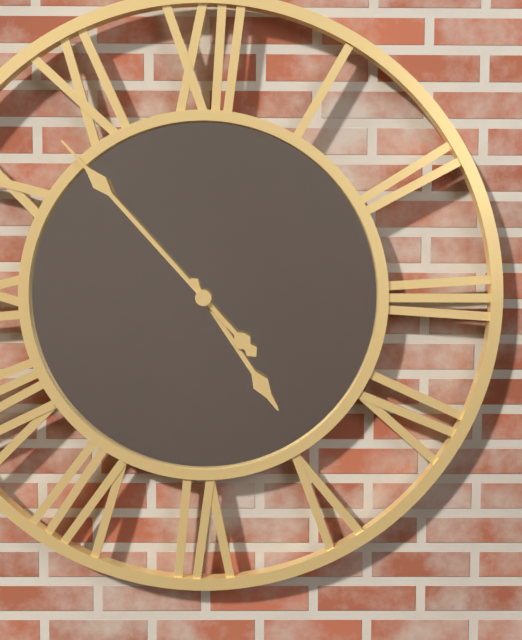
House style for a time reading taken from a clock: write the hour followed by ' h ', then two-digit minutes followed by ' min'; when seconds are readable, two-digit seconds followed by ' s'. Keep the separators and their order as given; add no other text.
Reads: 4 h 53 min
